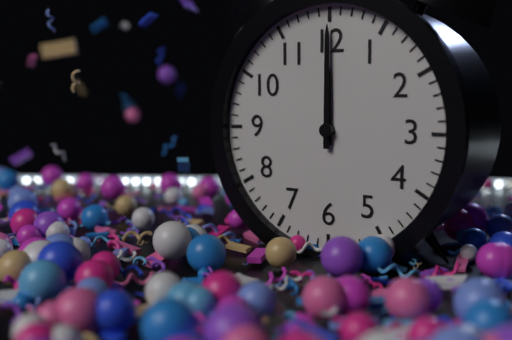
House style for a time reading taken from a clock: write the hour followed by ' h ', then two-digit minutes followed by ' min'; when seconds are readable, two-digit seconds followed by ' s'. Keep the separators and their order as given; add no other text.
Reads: 12 h 00 min
